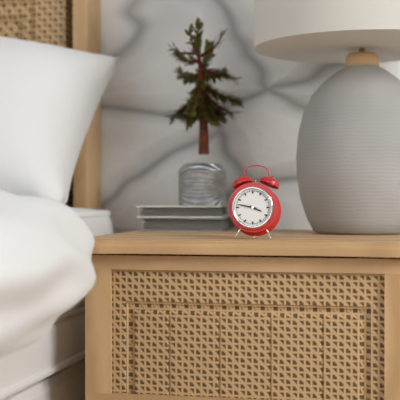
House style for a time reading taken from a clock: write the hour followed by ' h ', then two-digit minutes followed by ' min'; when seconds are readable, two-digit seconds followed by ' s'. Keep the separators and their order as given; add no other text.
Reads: 3 h 47 min
